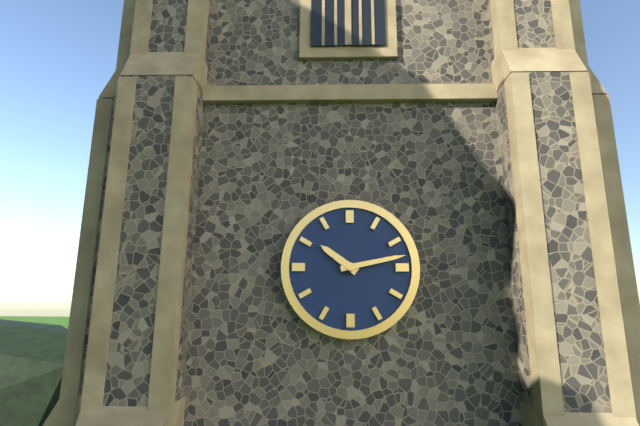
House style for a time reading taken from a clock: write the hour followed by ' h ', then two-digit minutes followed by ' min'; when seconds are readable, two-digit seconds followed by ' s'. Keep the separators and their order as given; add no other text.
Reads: 10 h 13 min
